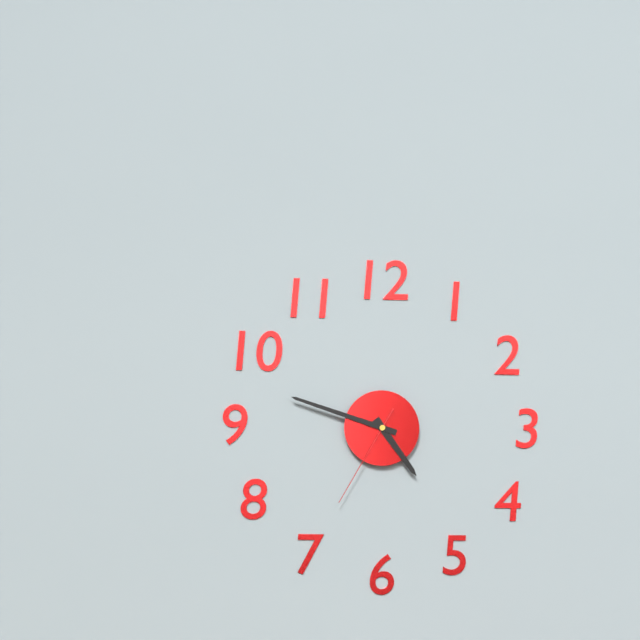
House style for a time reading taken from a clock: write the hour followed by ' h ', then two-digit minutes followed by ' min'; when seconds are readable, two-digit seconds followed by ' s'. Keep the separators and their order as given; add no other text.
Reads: 4 h 48 min 35 s
